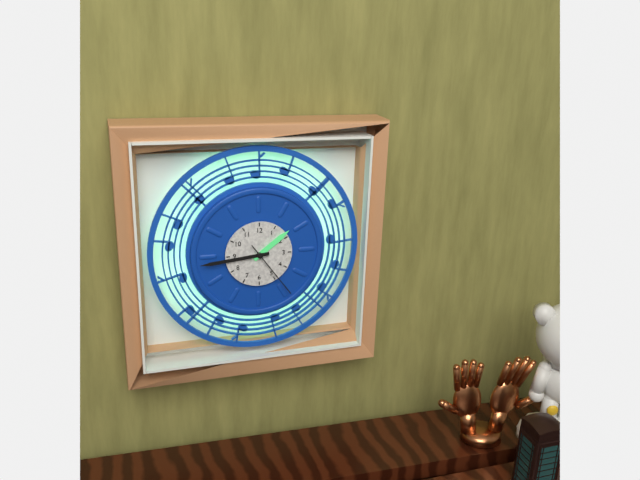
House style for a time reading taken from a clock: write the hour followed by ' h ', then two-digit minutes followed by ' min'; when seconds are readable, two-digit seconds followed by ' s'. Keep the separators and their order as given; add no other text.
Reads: 1 h 44 min 24 s
